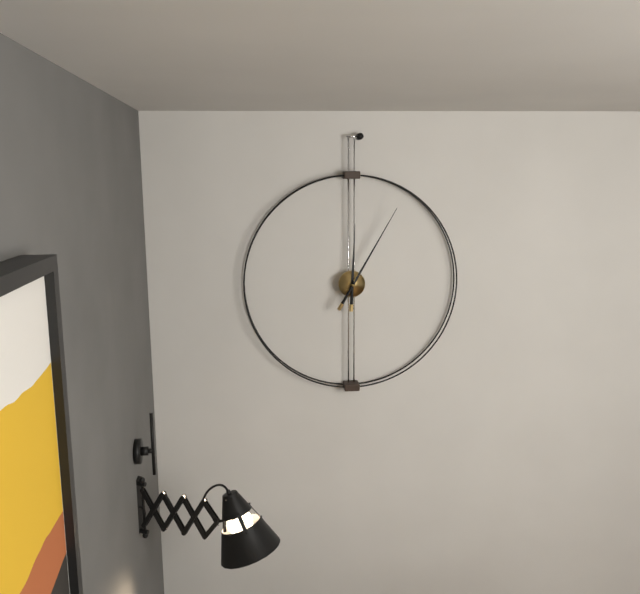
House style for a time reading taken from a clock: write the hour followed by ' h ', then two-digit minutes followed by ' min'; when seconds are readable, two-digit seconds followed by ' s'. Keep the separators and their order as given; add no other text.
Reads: 12 h 05 min
